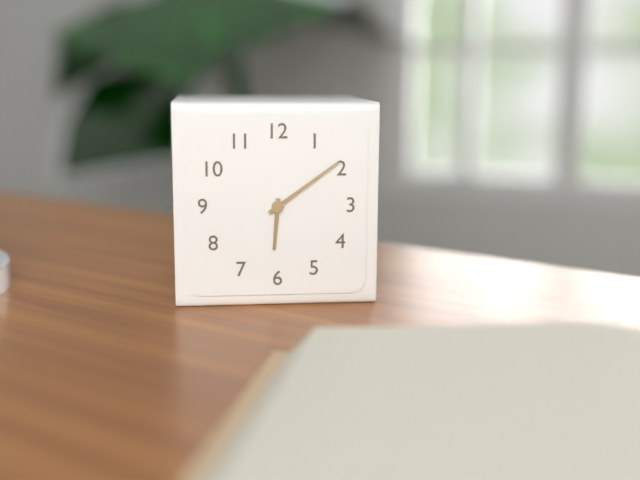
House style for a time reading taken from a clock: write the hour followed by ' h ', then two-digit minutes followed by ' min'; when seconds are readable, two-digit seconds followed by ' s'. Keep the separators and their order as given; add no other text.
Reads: 6 h 09 min
